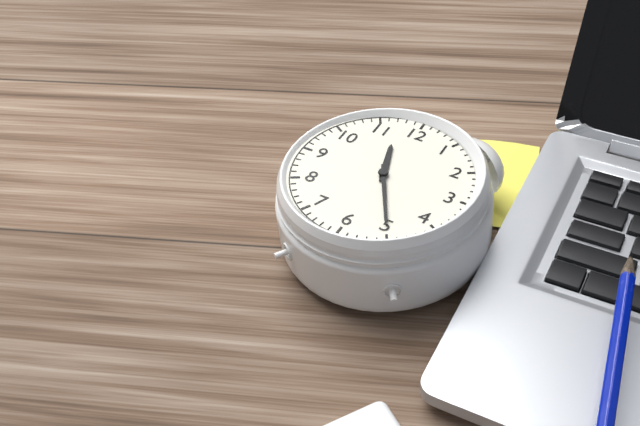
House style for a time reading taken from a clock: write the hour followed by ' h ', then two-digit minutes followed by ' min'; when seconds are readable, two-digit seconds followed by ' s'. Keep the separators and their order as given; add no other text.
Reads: 11 h 25 min
